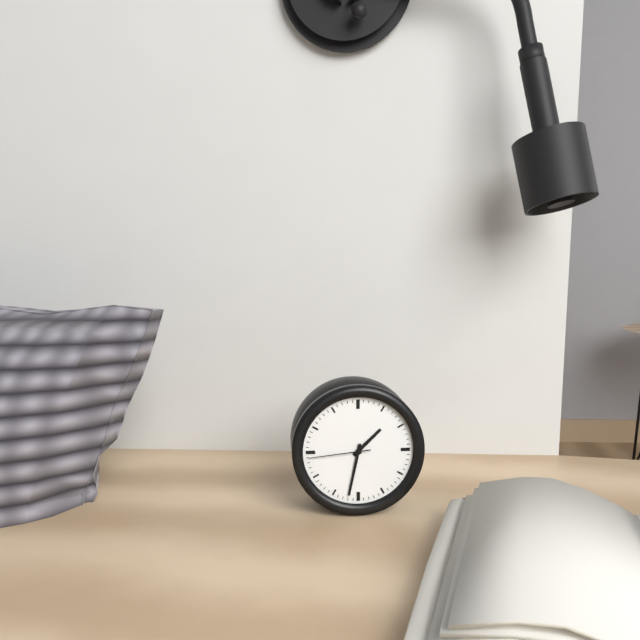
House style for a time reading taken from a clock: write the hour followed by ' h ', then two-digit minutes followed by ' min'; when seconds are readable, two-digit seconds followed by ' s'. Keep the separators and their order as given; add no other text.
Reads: 1 h 32 min 44 s
